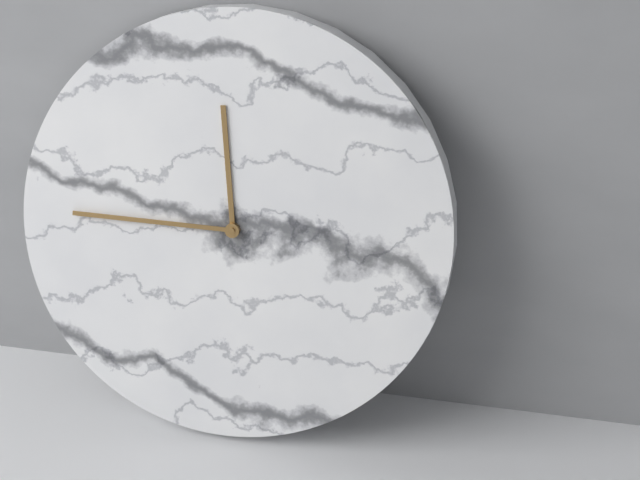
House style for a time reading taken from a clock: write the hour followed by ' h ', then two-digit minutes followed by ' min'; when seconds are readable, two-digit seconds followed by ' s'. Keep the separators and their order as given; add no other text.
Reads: 11 h 45 min
